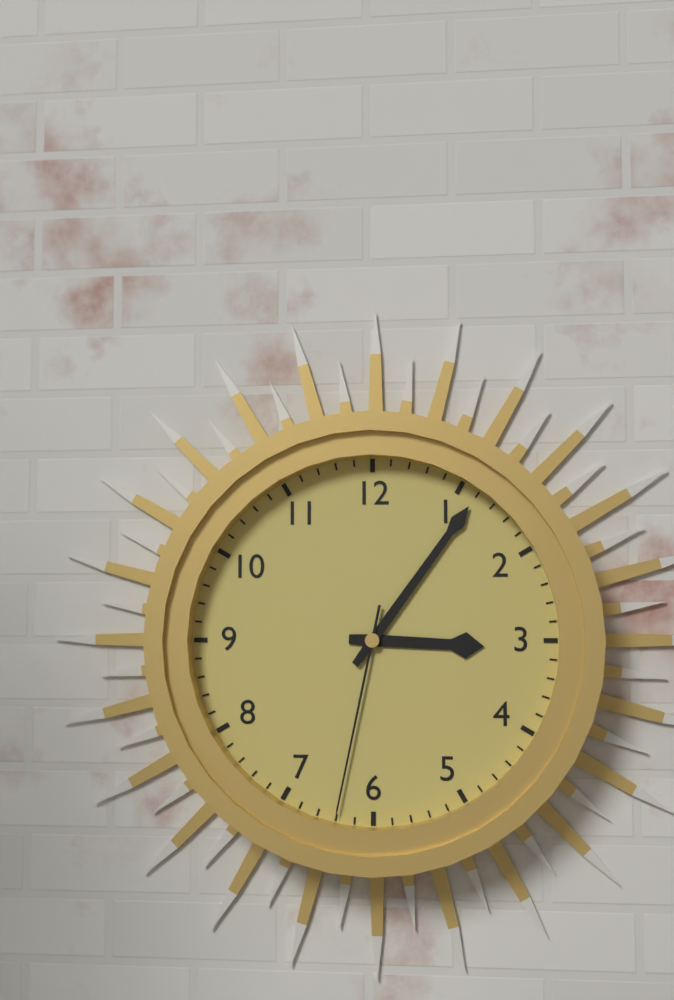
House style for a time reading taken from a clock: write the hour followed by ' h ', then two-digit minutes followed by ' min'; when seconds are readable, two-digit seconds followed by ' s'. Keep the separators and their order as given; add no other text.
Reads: 3 h 06 min 32 s
